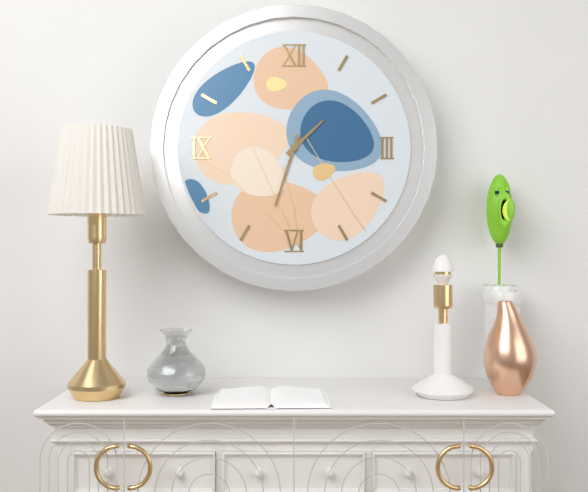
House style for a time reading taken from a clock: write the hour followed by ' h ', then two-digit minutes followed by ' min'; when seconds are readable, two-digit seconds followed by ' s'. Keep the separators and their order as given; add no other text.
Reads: 1 h 33 min
